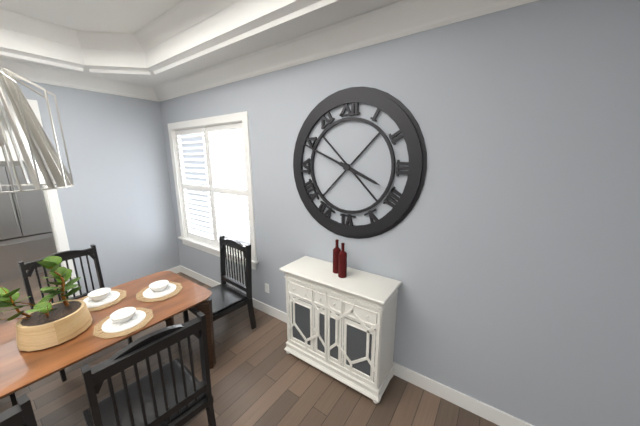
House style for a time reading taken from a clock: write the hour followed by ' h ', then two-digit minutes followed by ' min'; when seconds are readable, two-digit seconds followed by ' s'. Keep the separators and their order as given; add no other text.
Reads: 3 h 49 min
